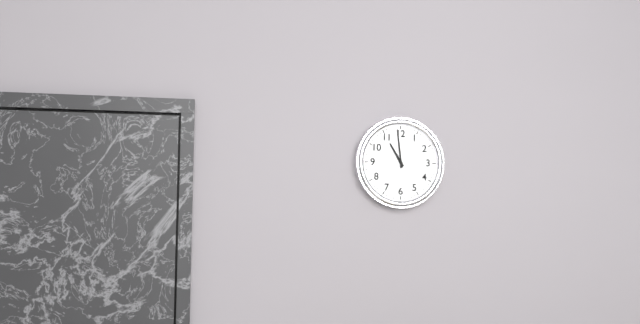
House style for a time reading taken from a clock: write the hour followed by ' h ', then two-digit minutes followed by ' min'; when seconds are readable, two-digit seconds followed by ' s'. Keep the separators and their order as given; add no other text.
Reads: 10 h 59 min
